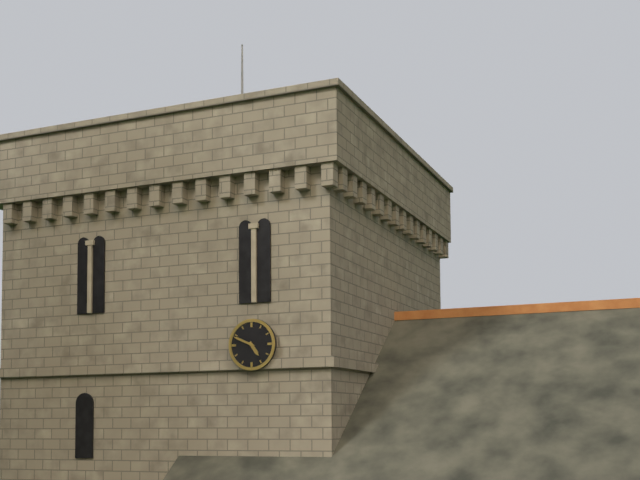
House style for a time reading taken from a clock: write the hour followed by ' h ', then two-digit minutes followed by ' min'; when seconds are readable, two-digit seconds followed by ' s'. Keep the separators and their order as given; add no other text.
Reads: 4 h 49 min
